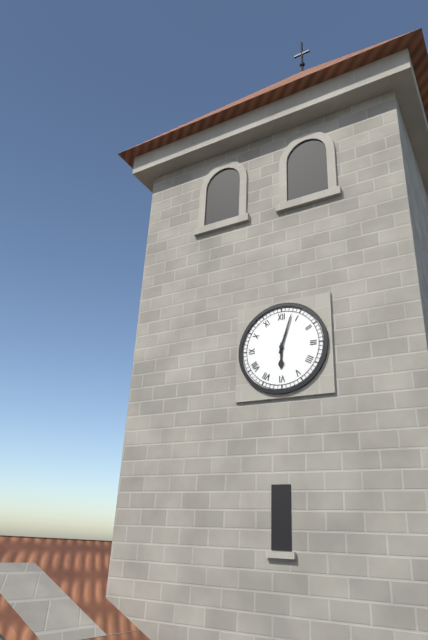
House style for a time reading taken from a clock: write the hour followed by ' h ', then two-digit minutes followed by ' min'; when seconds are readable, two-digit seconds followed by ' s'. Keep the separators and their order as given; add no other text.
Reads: 6 h 03 min
